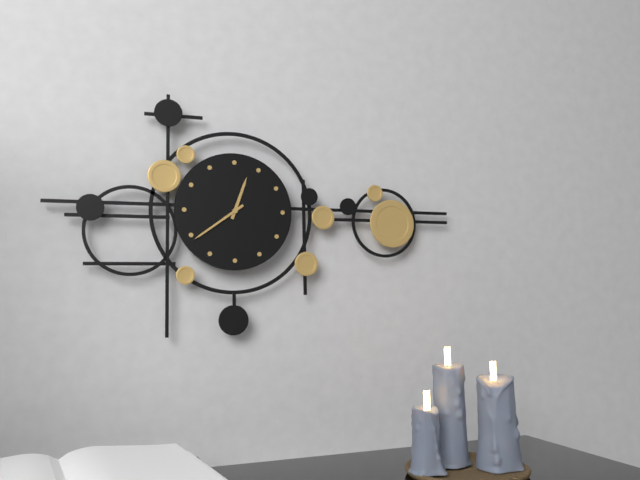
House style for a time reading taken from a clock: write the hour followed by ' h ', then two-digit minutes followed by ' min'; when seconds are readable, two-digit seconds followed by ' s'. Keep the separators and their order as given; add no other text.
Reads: 12 h 39 min
